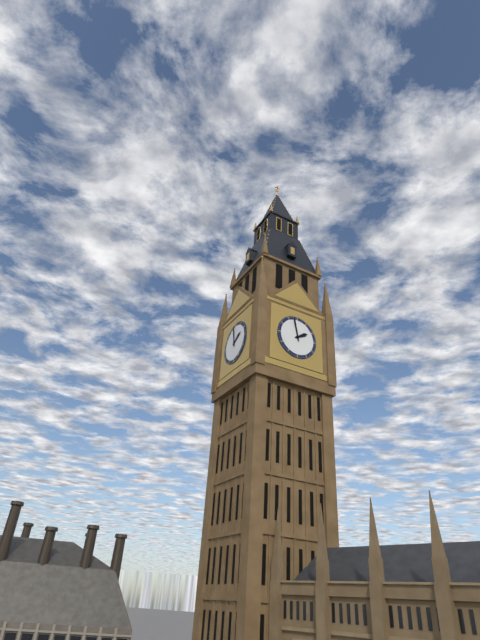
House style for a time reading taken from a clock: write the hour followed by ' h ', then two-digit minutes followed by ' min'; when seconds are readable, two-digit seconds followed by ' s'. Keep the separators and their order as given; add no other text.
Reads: 1 h 58 min
